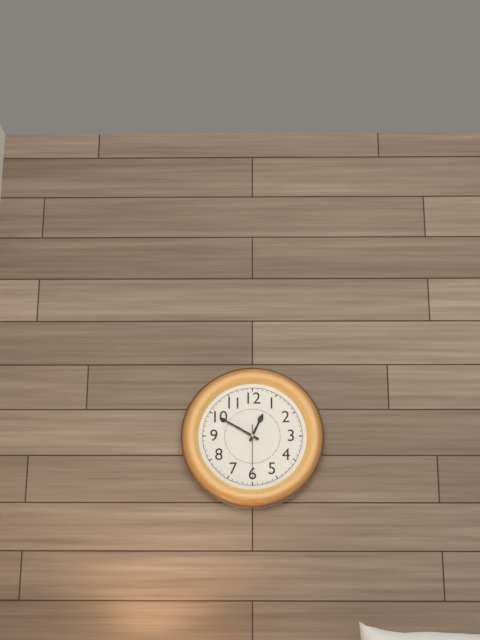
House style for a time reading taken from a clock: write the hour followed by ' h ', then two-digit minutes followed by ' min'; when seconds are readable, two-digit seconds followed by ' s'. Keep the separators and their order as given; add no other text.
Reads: 12 h 50 min 30 s
